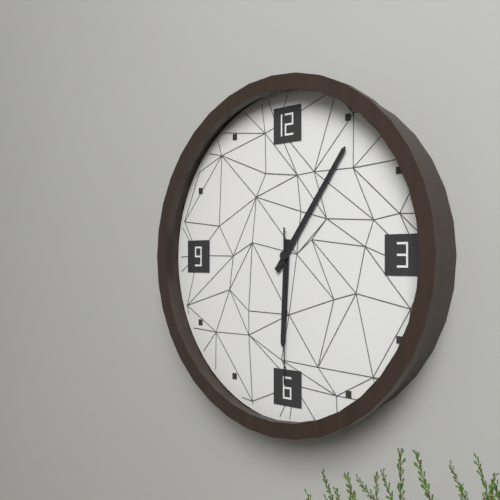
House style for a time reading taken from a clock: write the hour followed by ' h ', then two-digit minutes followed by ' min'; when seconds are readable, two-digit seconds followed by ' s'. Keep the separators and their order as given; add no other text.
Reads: 6 h 06 min 30 s
